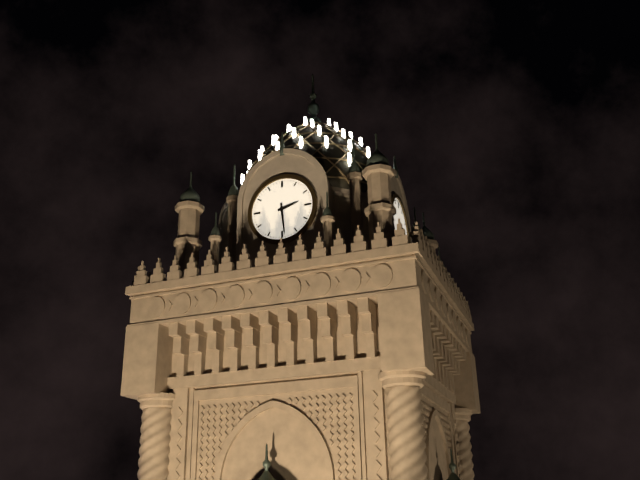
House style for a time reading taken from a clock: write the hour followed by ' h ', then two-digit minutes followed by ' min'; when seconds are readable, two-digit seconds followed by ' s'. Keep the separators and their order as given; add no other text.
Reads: 2 h 29 min
